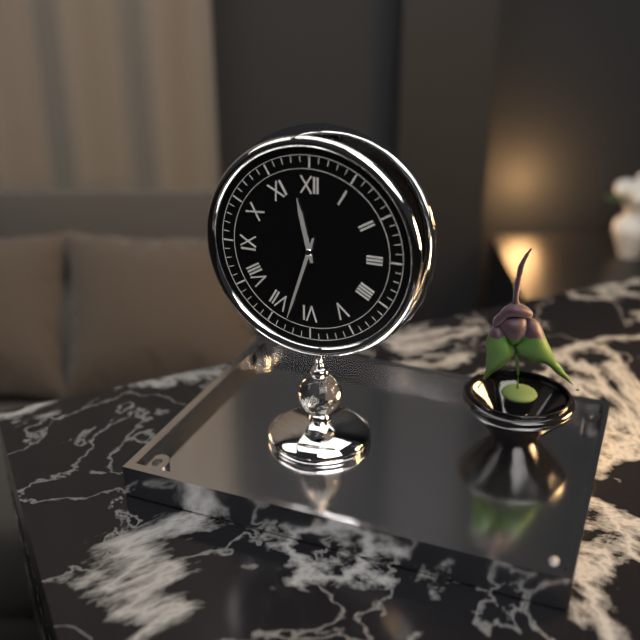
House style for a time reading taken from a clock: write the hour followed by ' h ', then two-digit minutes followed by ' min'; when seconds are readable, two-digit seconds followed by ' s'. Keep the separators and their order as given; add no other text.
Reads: 11 h 33 min
